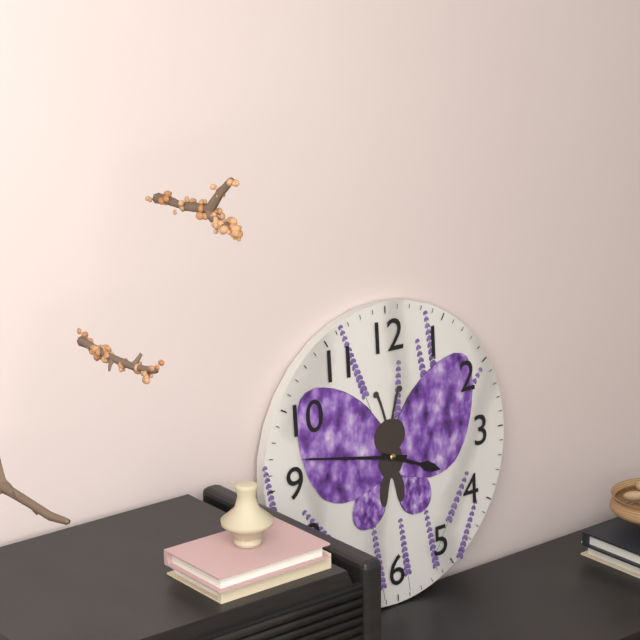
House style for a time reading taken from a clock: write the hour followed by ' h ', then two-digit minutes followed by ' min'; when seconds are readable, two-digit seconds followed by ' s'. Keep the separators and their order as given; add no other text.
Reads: 3 h 47 min
